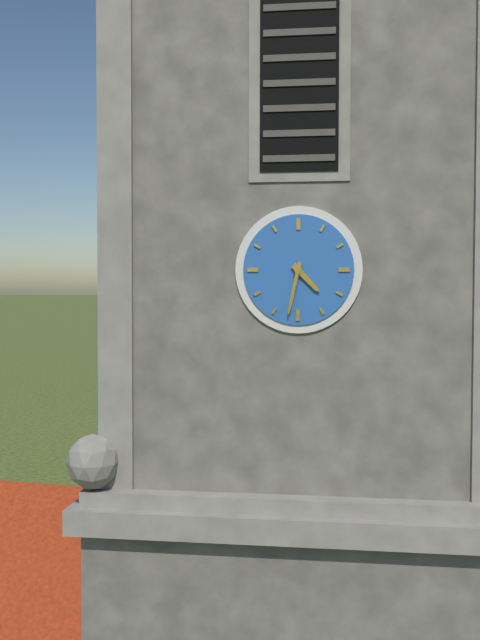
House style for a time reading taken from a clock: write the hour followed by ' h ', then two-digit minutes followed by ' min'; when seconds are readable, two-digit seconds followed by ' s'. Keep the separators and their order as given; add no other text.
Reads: 4 h 32 min
